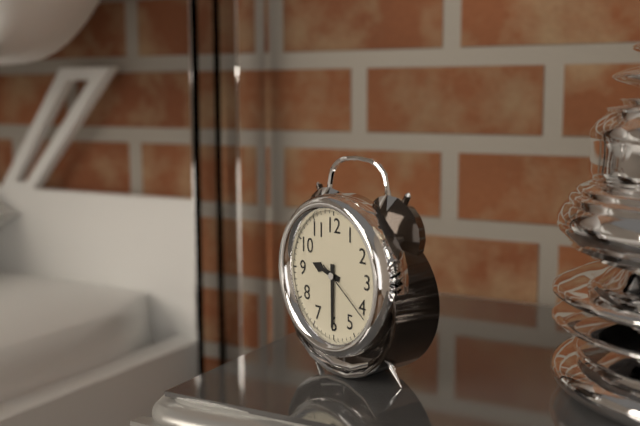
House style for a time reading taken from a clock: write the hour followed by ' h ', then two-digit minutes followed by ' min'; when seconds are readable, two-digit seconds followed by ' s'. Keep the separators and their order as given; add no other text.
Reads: 9 h 30 min 21 s
